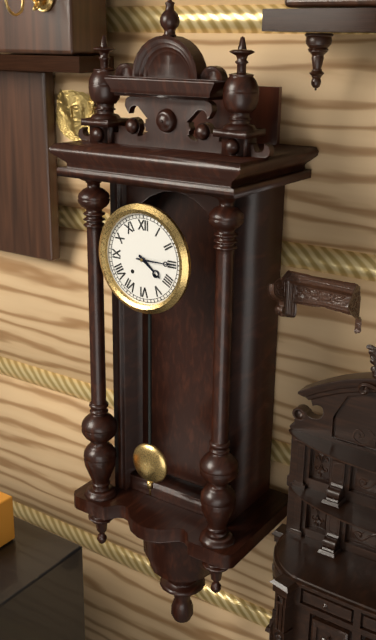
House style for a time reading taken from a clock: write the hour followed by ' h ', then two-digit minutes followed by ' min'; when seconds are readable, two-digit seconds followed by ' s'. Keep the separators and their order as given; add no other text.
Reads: 4 h 15 min
